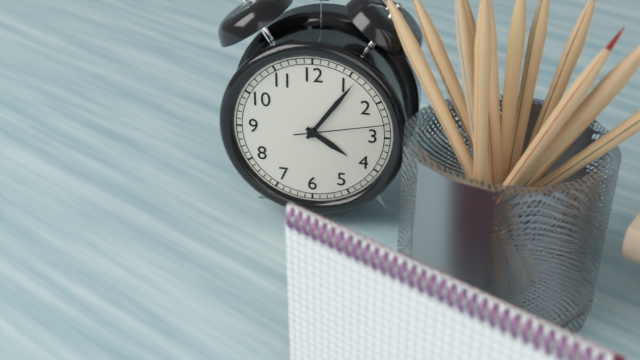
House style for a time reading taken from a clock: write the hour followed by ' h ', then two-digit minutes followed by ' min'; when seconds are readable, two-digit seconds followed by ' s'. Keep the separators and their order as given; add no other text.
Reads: 4 h 06 min 13 s
